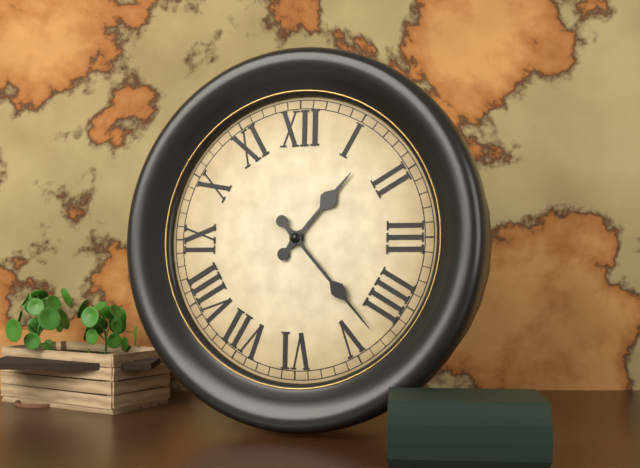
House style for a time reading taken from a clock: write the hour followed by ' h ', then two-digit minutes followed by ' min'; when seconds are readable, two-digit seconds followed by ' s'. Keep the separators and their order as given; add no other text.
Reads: 1 h 23 min
